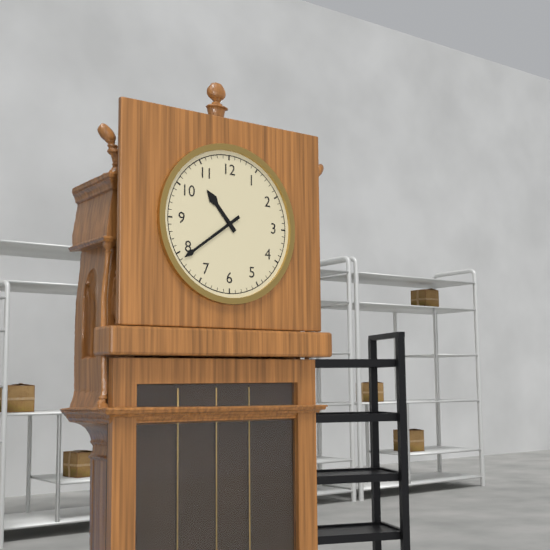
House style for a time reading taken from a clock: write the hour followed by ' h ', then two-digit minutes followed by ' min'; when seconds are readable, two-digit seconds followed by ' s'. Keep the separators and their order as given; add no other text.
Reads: 10 h 39 min
